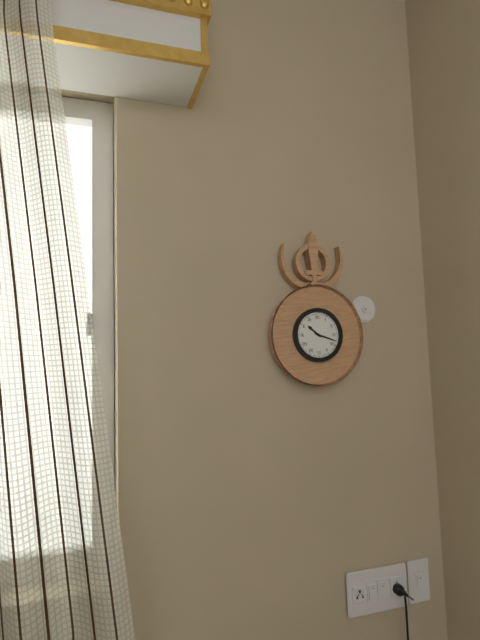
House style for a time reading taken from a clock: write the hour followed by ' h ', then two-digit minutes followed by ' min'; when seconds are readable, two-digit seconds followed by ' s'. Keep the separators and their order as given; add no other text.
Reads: 10 h 18 min
